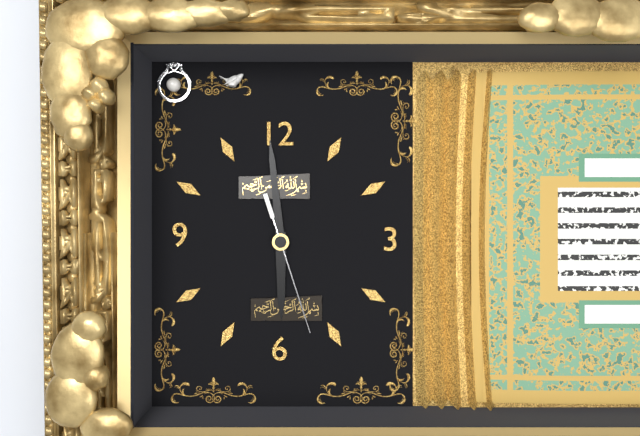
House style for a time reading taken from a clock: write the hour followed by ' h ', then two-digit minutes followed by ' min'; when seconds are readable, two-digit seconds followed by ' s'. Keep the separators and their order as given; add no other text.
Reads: 5 h 59 min 27 s
